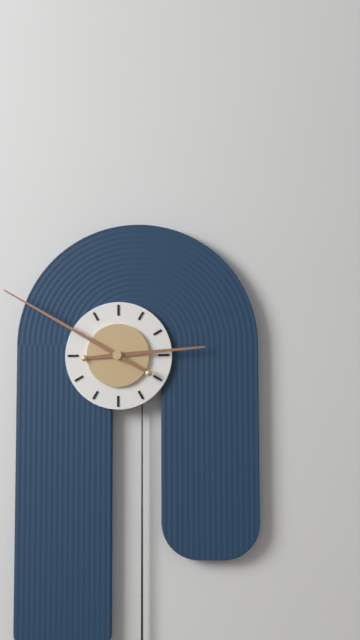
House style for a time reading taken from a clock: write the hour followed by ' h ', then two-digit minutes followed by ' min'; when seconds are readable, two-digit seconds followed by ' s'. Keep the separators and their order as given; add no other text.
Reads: 2 h 50 min
